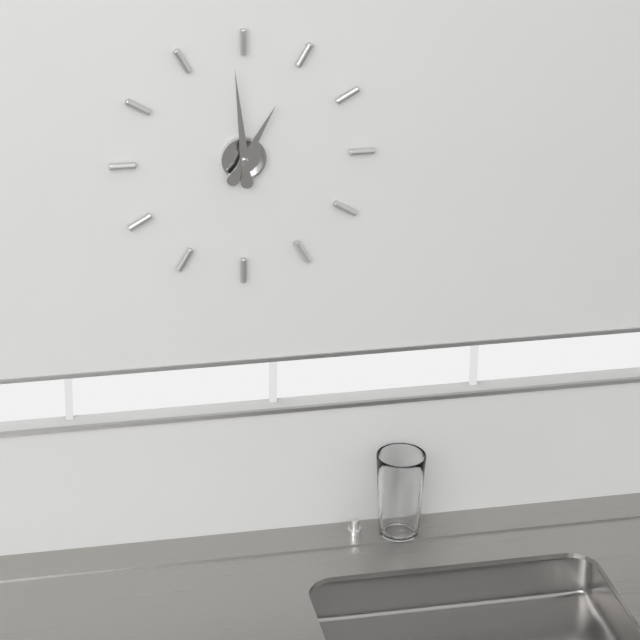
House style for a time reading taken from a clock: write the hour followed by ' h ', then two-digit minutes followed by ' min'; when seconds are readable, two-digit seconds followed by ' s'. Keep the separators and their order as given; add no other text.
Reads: 12 h 59 min
